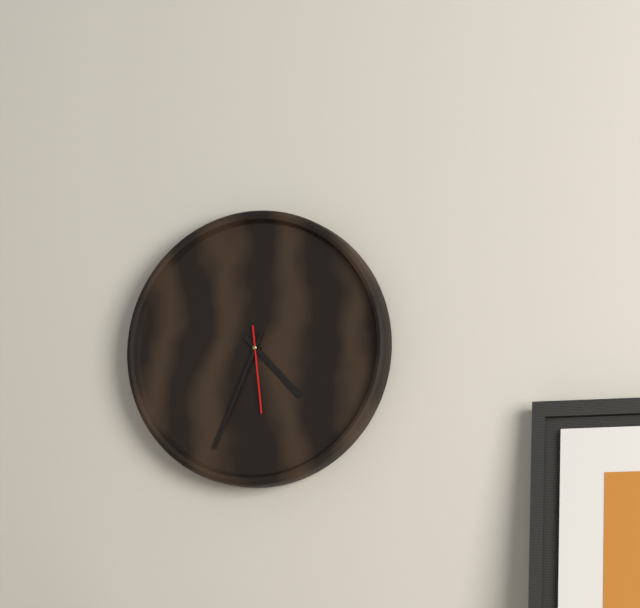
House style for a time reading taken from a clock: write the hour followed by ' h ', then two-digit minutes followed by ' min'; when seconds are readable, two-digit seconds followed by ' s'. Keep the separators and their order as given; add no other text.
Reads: 4 h 34 min 29 s
